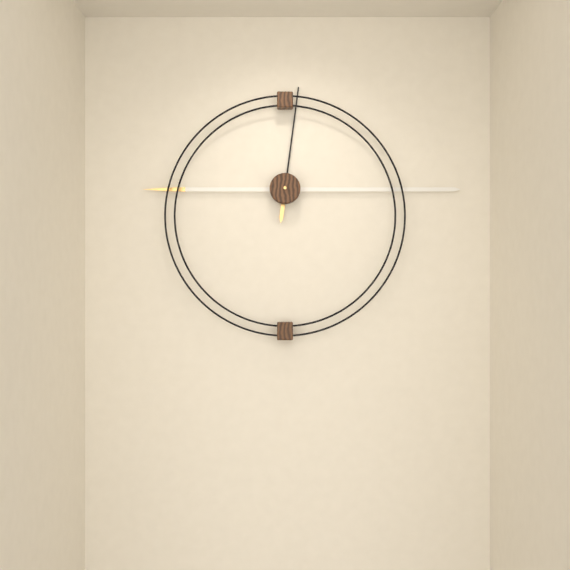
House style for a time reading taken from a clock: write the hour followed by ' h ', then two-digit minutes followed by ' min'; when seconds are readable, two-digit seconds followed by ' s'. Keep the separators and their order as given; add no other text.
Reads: 12 h 15 min
